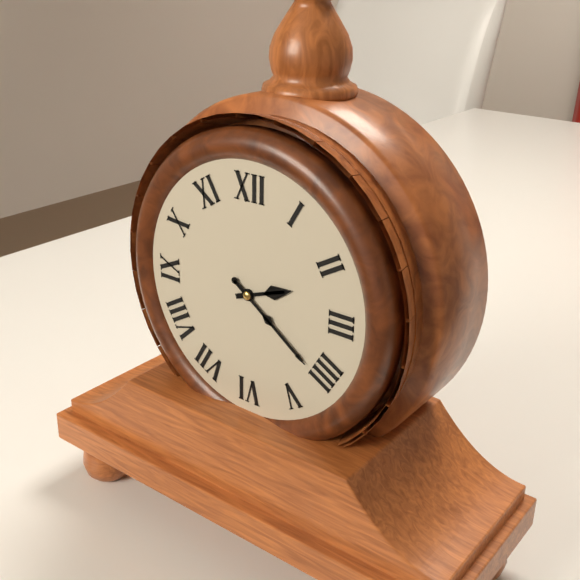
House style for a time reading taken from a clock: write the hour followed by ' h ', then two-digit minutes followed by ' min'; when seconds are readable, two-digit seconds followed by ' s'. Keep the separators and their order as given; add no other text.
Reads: 2 h 21 min
